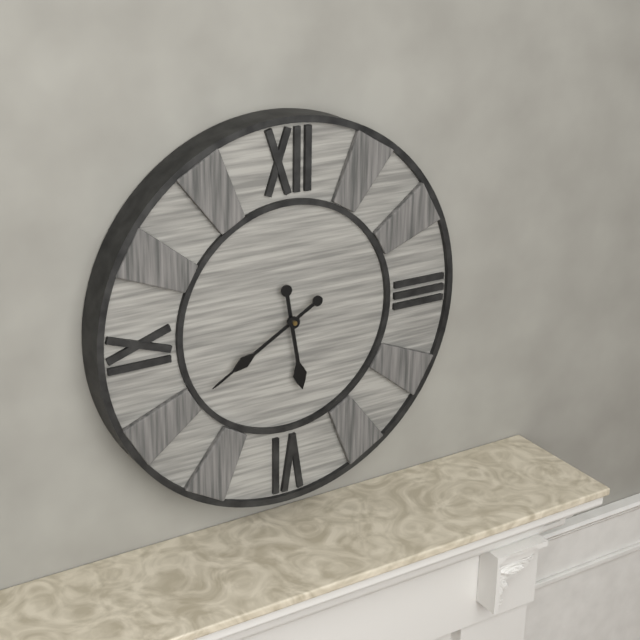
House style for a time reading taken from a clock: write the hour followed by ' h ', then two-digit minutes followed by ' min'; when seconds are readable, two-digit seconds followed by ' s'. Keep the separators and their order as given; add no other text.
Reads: 5 h 40 min
